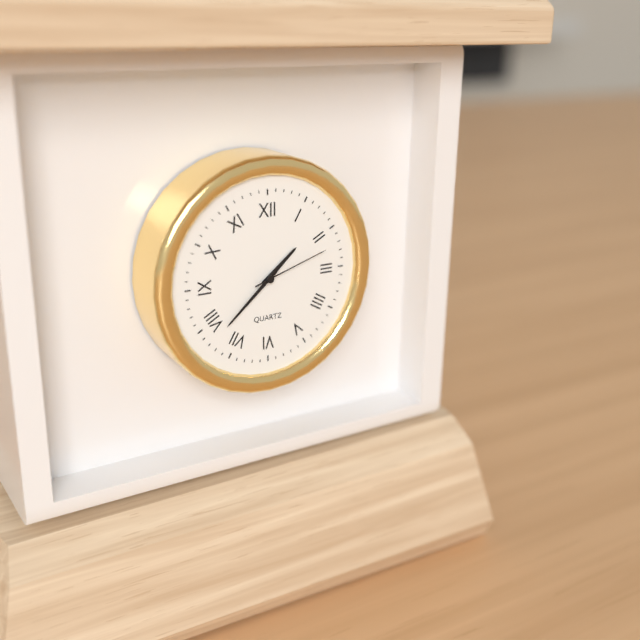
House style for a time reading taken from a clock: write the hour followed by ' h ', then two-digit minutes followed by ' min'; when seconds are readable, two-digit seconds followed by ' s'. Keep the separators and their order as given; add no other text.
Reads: 1 h 38 min 12 s
